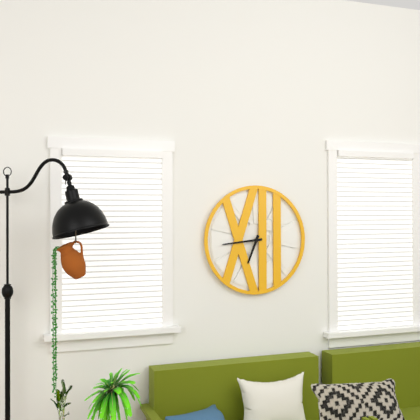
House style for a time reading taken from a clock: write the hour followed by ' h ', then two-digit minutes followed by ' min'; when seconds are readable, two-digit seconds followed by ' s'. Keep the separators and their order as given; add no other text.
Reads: 6 h 44 min
